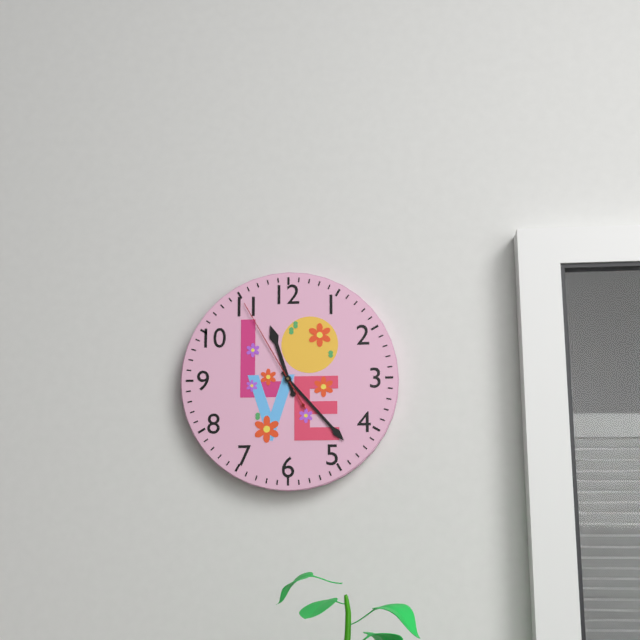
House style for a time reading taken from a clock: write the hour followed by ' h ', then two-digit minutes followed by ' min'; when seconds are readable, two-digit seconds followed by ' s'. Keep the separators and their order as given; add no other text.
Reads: 11 h 23 min 55 s
